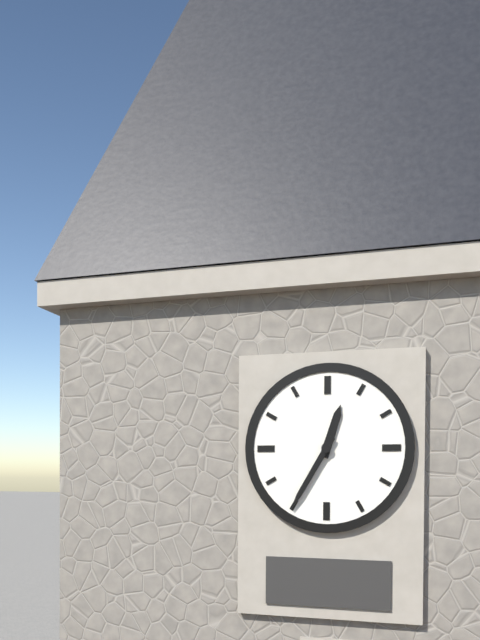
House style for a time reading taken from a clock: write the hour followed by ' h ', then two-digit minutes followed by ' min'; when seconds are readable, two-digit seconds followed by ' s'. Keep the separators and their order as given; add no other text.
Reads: 12 h 35 min
